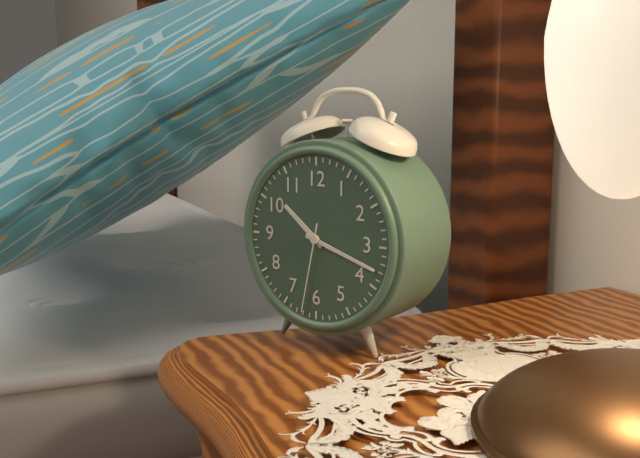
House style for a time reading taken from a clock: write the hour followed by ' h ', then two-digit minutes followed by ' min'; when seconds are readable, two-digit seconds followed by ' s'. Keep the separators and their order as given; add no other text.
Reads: 10 h 18 min 32 s
